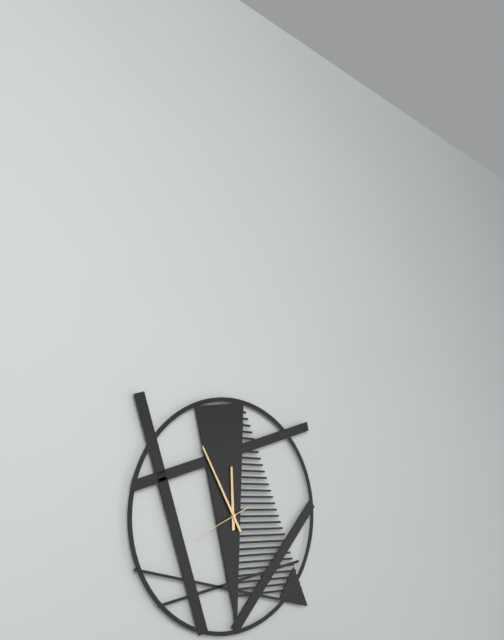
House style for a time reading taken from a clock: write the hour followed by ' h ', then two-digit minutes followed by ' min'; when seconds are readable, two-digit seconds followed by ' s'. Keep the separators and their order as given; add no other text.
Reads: 11 h 55 min 41 s
